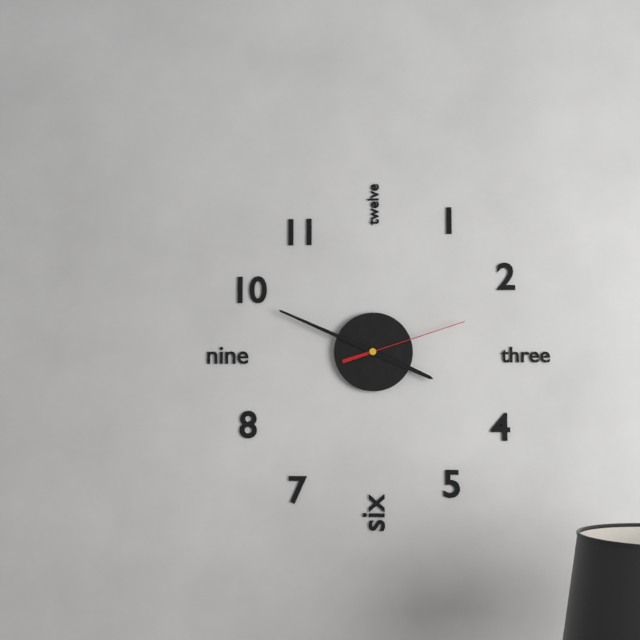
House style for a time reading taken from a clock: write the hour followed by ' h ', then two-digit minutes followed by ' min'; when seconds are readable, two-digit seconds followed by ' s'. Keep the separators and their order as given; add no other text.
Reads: 3 h 49 min 12 s
